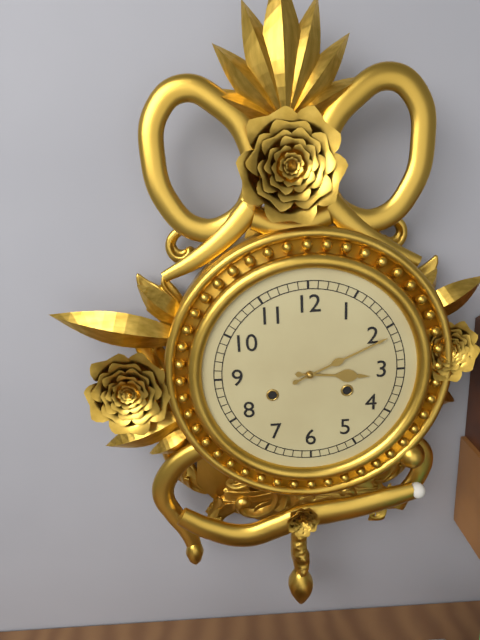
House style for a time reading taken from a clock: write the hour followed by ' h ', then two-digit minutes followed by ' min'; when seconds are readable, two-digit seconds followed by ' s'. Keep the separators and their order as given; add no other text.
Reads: 3 h 11 min
